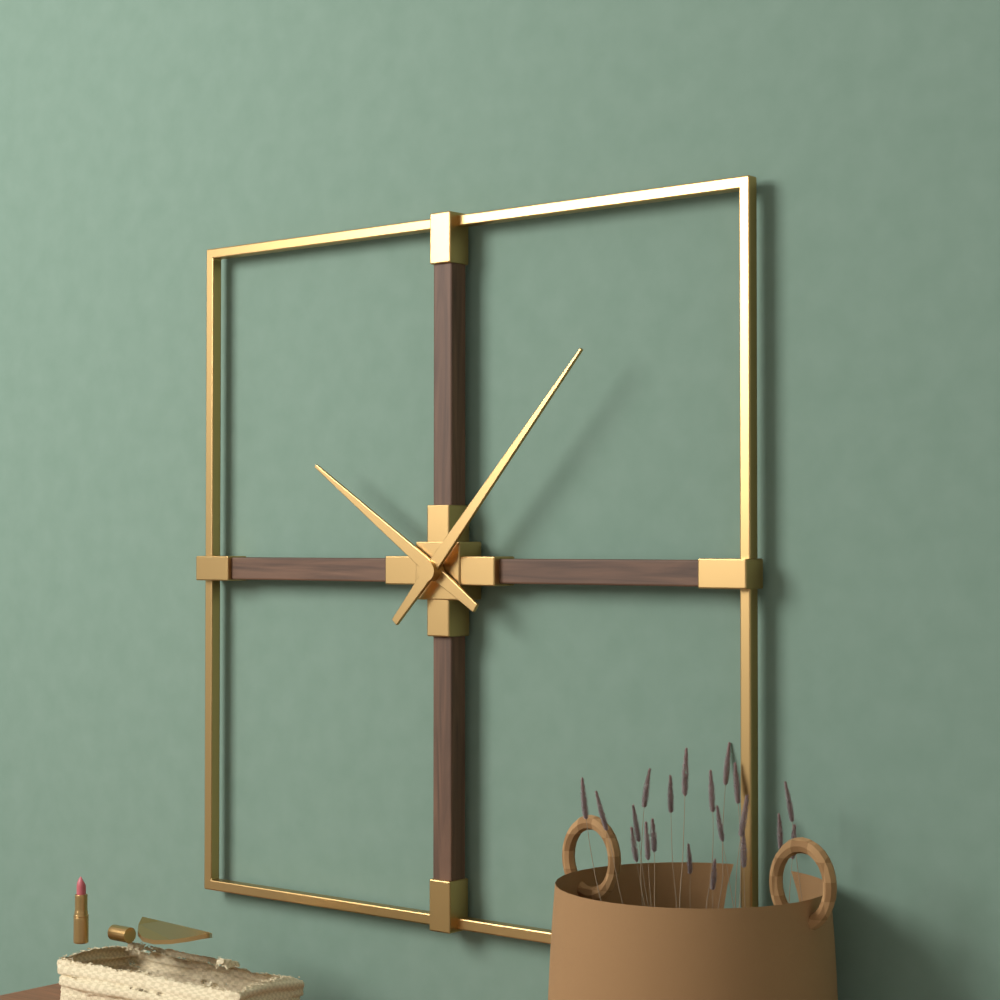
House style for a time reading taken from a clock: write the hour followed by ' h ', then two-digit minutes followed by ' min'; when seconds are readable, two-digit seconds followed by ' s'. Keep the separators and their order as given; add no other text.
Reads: 10 h 07 min
